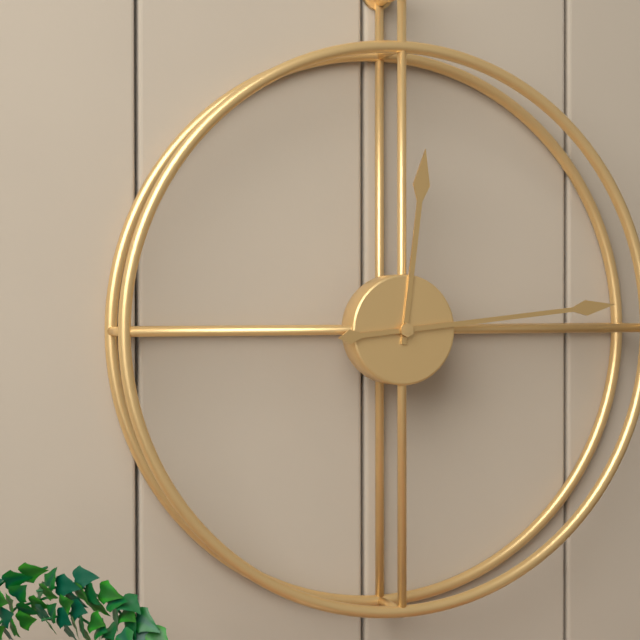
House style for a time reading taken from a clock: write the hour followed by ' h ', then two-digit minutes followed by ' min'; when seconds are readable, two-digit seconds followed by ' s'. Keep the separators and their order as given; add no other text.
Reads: 12 h 14 min
